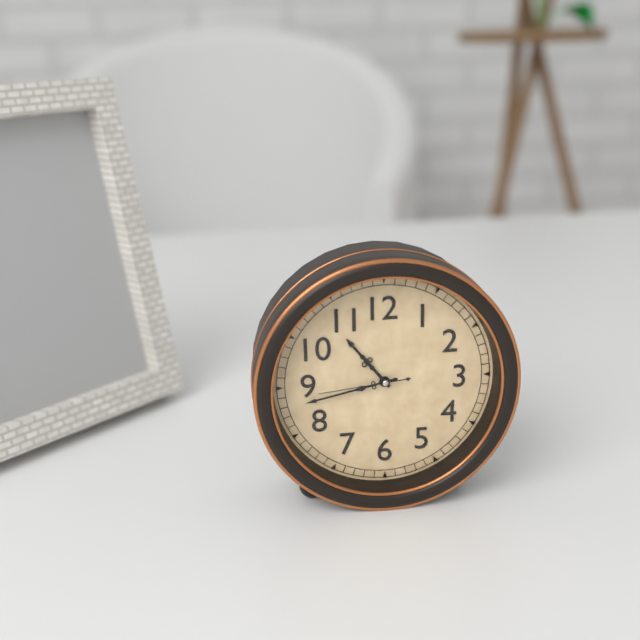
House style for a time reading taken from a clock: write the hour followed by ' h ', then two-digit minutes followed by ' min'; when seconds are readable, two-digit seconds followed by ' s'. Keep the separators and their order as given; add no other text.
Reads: 10 h 43 min 44 s
